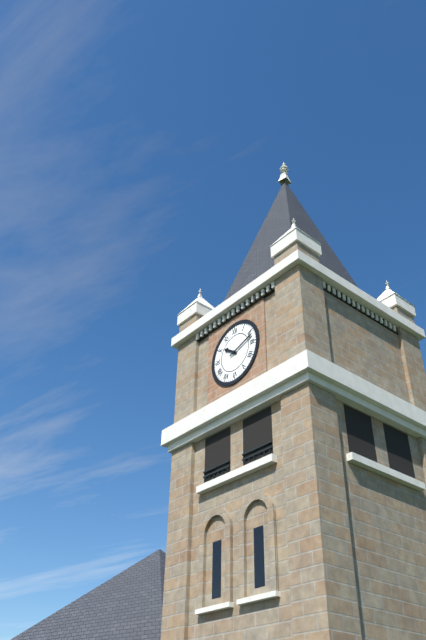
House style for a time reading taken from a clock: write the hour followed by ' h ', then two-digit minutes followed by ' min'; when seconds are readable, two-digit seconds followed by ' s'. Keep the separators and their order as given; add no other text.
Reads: 10 h 12 min
